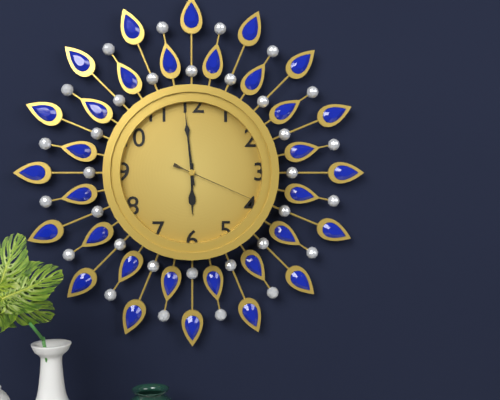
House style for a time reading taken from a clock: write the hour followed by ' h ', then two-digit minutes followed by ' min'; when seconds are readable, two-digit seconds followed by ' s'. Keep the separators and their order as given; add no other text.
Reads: 5 h 59 min 19 s
